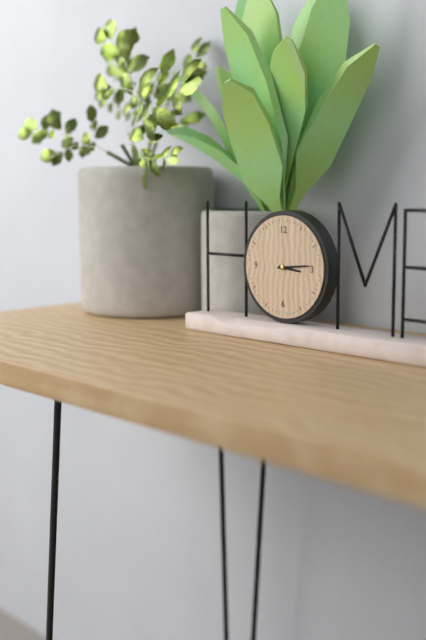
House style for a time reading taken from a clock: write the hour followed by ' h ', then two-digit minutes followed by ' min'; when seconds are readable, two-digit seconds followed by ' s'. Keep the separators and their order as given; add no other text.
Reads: 3 h 14 min
